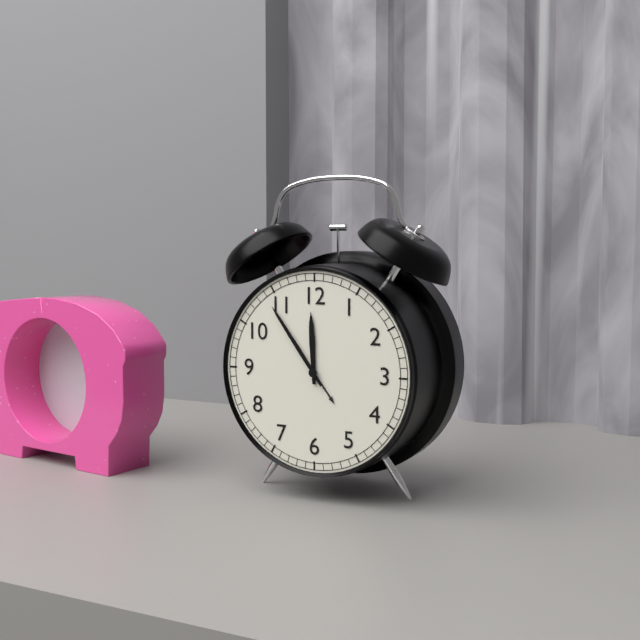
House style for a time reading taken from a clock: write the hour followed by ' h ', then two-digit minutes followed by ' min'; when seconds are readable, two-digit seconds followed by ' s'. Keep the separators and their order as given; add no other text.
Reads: 11 h 54 min
